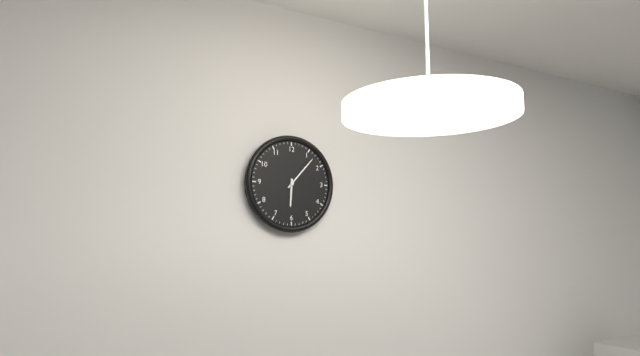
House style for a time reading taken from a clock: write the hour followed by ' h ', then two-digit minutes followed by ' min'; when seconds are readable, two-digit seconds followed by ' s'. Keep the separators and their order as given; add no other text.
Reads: 6 h 07 min
